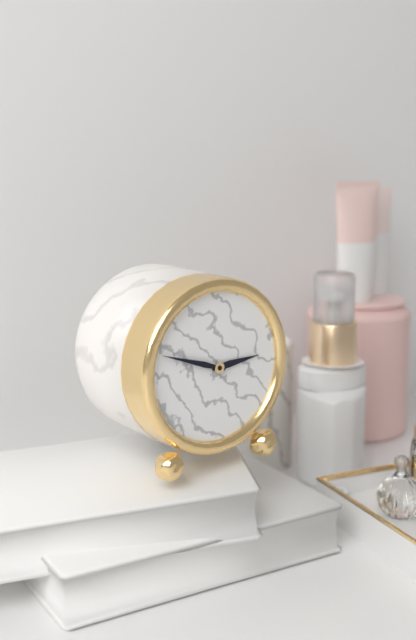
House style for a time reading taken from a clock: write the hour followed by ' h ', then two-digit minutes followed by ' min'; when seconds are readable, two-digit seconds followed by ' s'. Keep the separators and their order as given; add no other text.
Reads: 2 h 48 min
